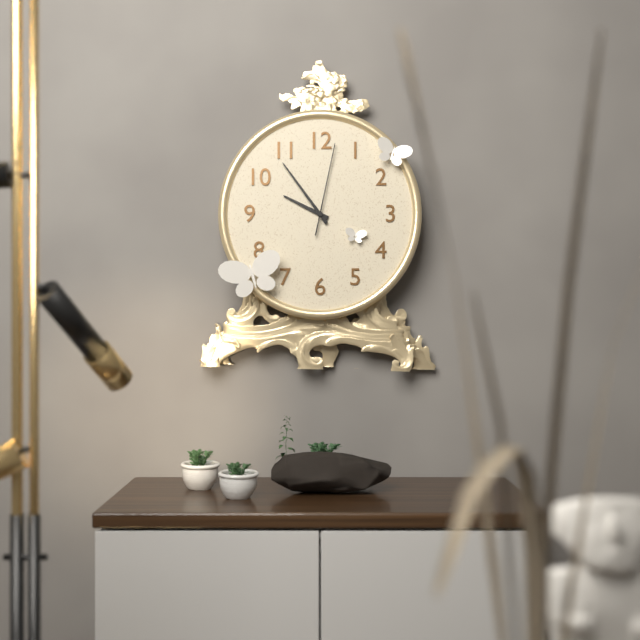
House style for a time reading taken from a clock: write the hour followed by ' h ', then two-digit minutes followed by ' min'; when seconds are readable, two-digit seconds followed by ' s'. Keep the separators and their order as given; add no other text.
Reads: 9 h 54 min 02 s
